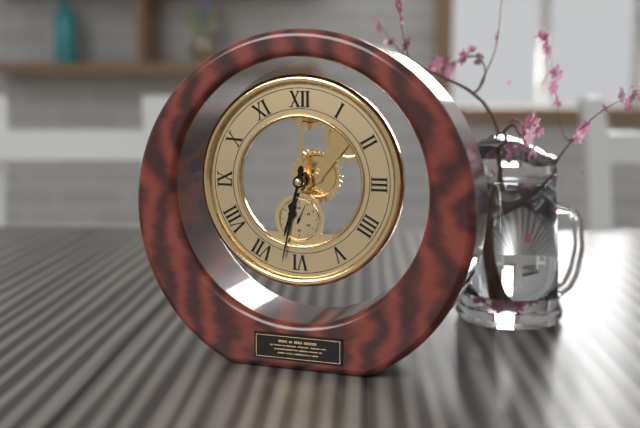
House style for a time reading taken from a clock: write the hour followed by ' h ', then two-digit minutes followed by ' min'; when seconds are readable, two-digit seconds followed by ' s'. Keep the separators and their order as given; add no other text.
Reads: 6 h 32 min
